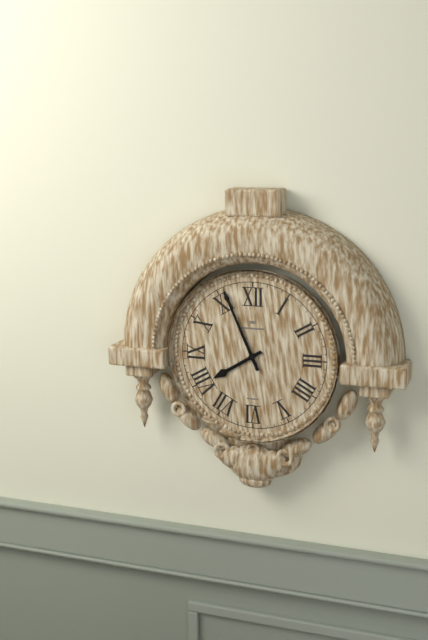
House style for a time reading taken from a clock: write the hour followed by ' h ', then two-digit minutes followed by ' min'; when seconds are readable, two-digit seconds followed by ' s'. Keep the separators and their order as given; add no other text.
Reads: 7 h 56 min
